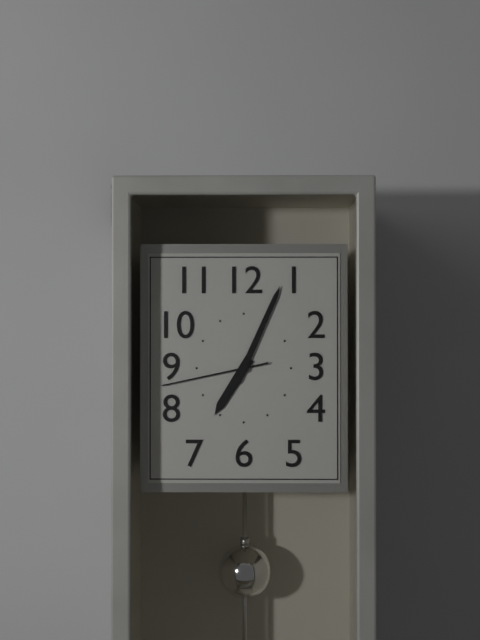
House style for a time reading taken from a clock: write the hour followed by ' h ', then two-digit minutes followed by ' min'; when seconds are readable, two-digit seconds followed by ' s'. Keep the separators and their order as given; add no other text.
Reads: 7 h 04 min 43 s
